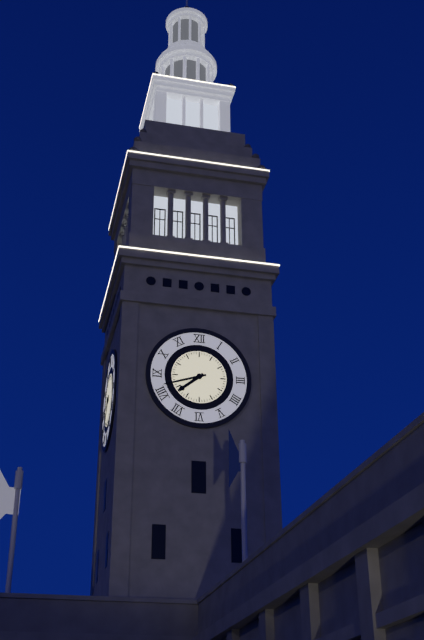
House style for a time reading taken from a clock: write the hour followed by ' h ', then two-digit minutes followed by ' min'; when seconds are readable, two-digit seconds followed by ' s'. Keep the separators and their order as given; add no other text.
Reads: 7 h 42 min
